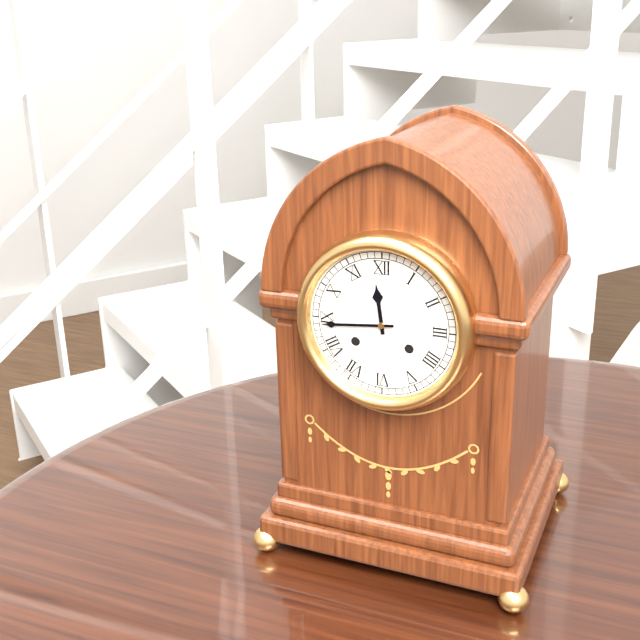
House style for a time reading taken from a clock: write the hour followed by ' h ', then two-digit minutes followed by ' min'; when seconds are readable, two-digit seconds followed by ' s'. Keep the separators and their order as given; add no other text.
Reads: 11 h 44 min
